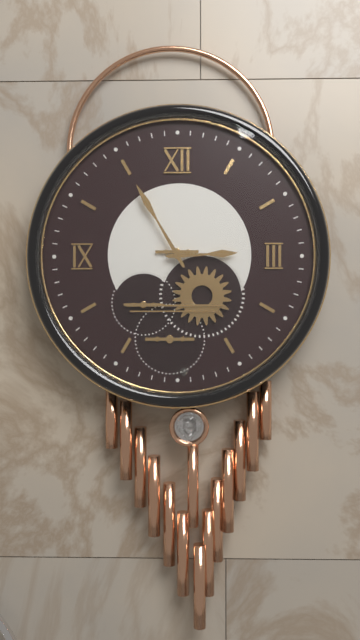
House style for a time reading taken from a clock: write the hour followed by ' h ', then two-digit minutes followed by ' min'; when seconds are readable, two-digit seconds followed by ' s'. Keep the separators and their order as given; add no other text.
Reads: 2 h 55 min
